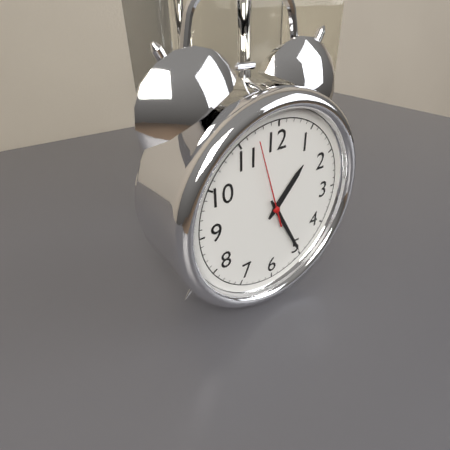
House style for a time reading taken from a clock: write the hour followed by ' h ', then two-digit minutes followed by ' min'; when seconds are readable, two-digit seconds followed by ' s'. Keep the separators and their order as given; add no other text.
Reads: 1 h 25 min 57 s
